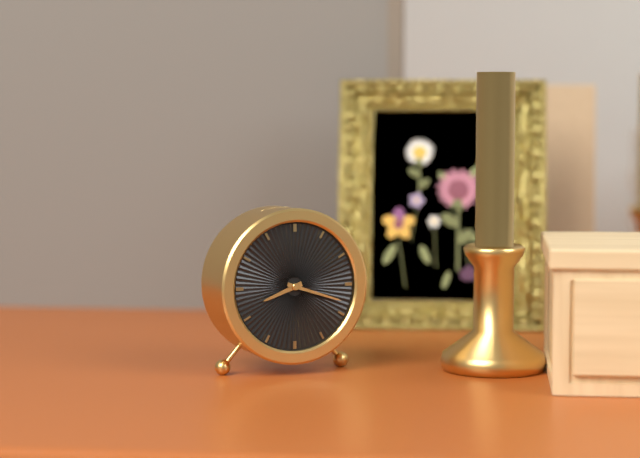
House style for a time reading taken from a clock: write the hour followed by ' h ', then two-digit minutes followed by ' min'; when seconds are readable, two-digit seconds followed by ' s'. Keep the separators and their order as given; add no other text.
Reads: 8 h 18 min
